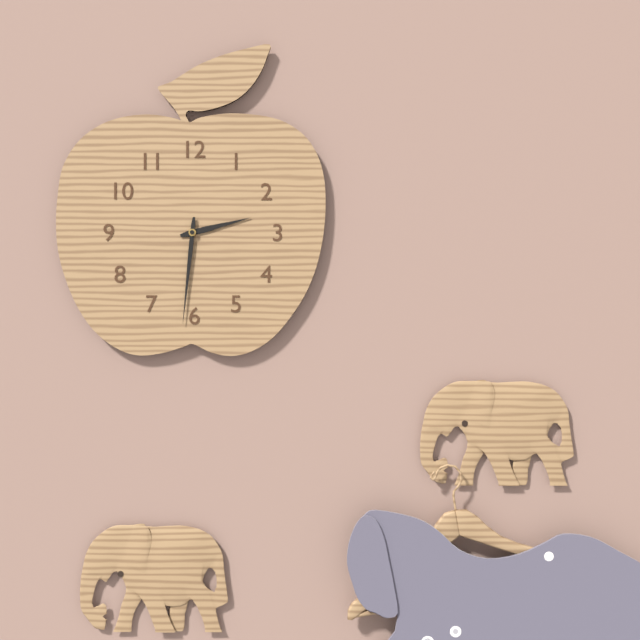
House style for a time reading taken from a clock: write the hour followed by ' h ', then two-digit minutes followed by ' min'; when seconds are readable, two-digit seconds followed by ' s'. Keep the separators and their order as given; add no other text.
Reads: 2 h 31 min
